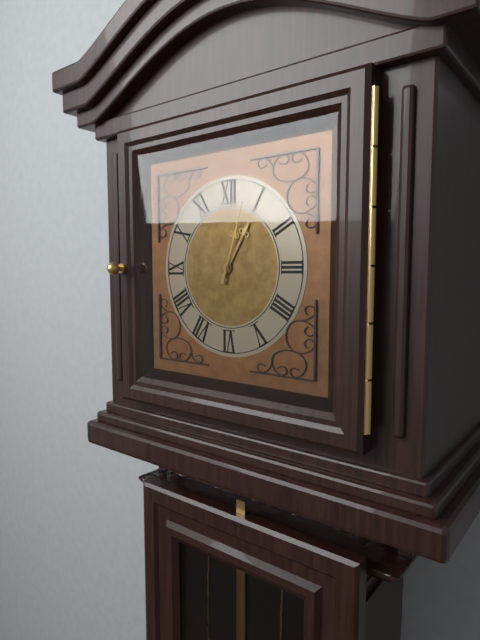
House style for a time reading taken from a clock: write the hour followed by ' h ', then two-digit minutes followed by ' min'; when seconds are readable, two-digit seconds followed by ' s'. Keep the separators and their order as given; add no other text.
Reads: 1 h 03 min
